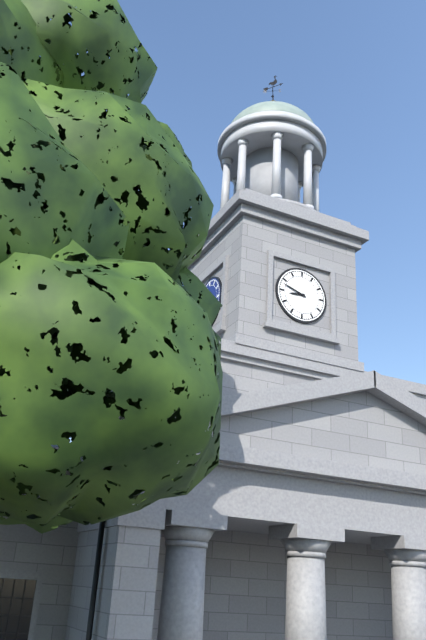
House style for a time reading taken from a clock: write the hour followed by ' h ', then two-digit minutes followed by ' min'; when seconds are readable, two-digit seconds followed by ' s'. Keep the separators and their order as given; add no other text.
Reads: 8 h 48 min
